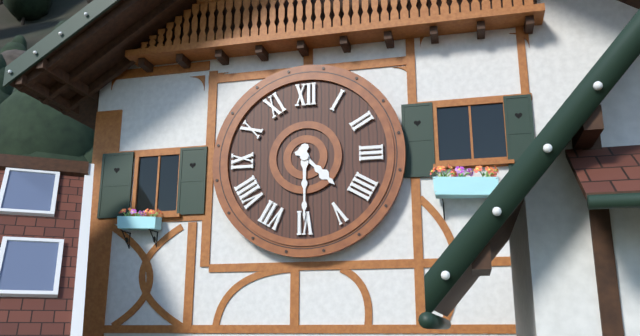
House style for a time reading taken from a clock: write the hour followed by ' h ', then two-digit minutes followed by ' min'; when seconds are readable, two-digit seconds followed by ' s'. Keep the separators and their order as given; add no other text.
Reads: 4 h 30 min
